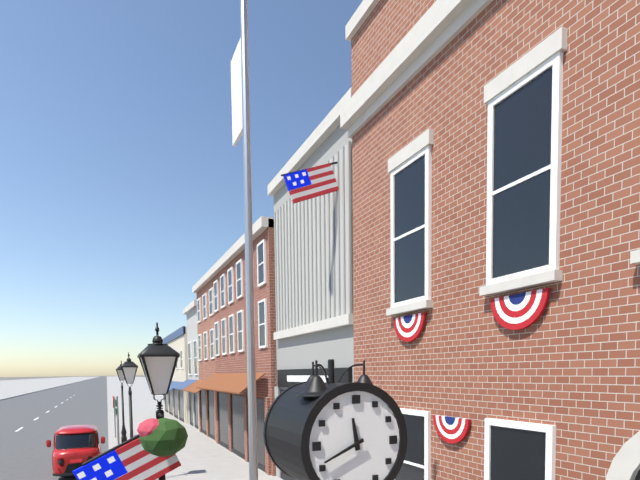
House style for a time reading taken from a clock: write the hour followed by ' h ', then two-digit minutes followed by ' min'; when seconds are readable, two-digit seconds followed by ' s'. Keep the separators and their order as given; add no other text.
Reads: 11 h 41 min
